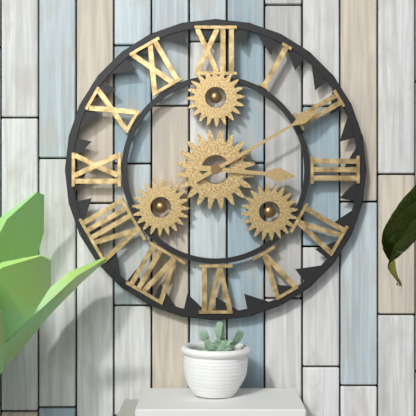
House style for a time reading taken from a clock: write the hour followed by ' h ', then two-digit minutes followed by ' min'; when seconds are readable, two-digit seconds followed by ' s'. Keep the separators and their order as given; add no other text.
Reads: 3 h 10 min
